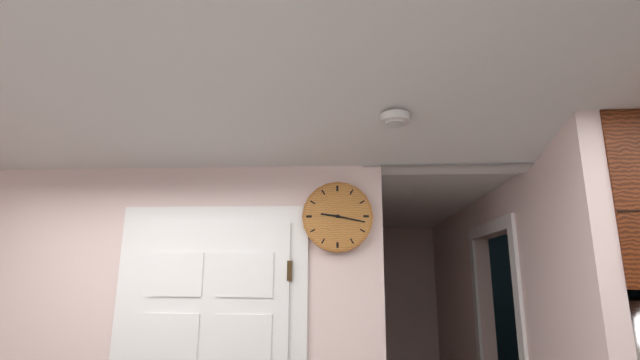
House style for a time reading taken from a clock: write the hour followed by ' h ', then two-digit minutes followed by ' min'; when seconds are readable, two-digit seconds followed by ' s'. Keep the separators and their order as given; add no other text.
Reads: 9 h 17 min
